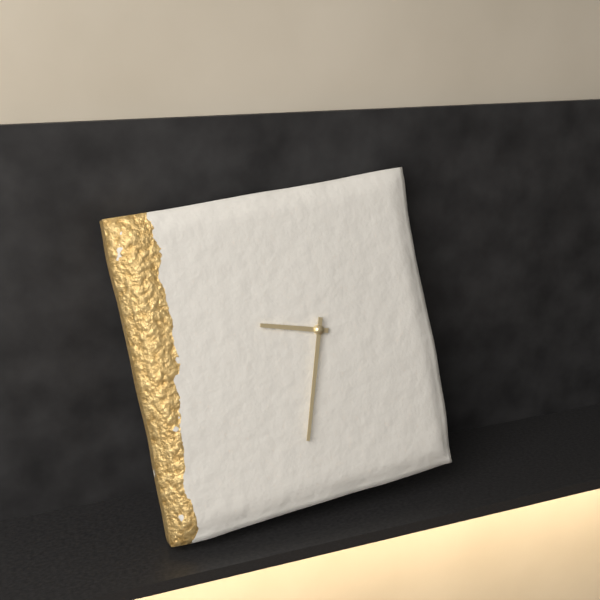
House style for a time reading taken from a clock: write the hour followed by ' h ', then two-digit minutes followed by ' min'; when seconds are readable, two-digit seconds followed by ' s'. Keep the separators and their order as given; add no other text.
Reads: 9 h 33 min
